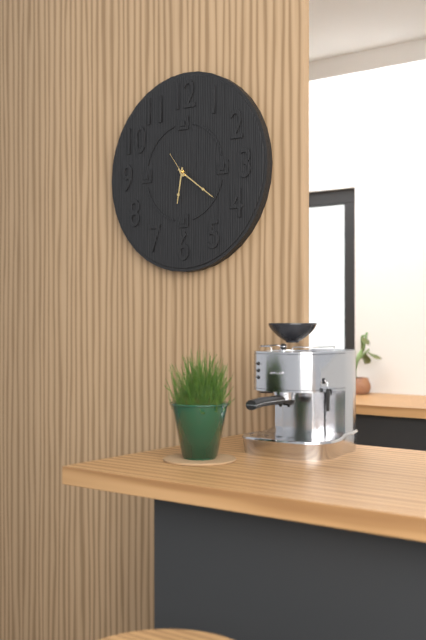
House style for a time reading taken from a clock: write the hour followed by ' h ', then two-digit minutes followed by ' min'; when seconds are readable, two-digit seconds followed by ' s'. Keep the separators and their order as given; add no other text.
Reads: 6 h 21 min
